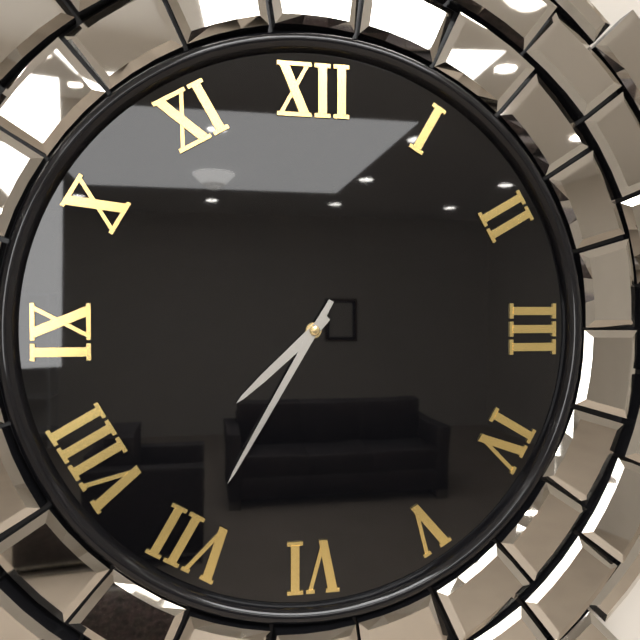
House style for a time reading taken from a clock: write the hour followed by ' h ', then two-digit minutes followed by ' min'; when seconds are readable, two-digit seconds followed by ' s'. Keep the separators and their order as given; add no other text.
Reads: 7 h 35 min
